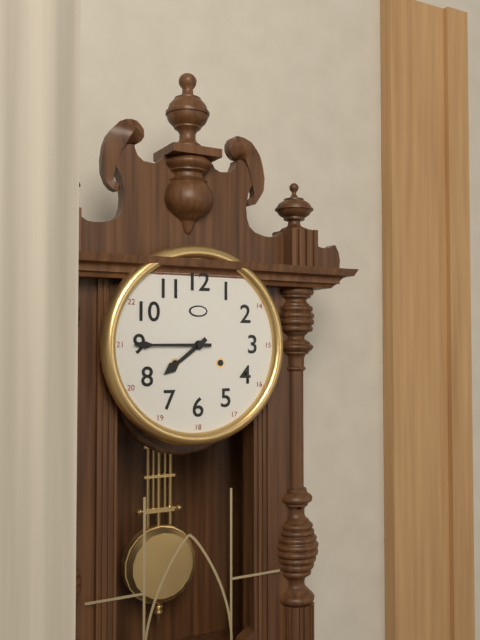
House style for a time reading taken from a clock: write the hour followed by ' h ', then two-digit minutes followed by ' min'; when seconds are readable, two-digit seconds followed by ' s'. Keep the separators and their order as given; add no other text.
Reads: 7 h 45 min
